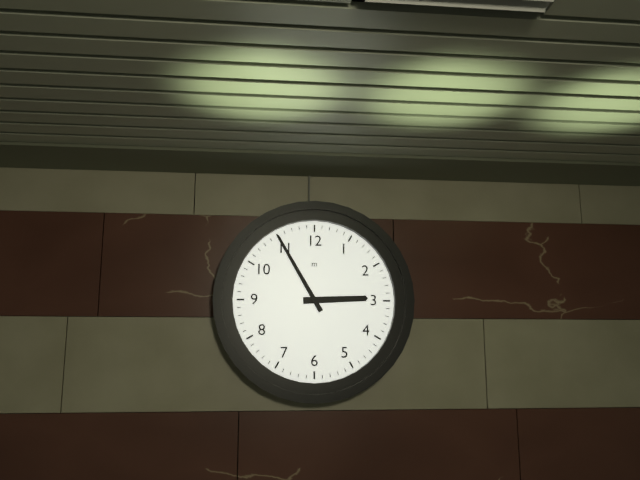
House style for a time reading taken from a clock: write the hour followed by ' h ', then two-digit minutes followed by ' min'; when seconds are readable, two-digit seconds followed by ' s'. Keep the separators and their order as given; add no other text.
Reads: 2 h 55 min
